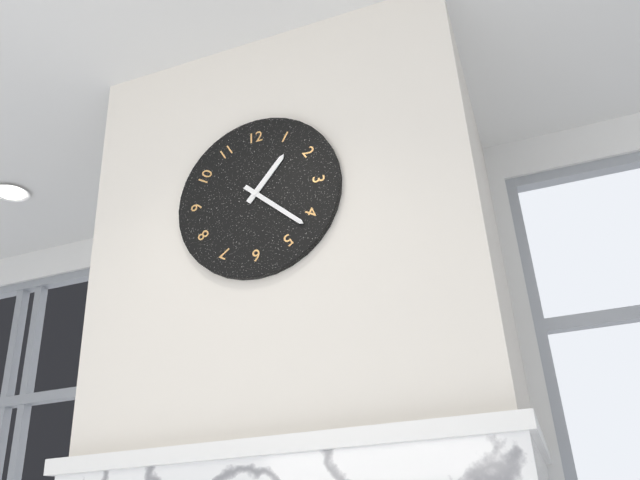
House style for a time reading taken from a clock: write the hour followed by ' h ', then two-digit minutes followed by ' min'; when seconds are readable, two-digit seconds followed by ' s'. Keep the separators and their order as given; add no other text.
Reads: 1 h 22 min
